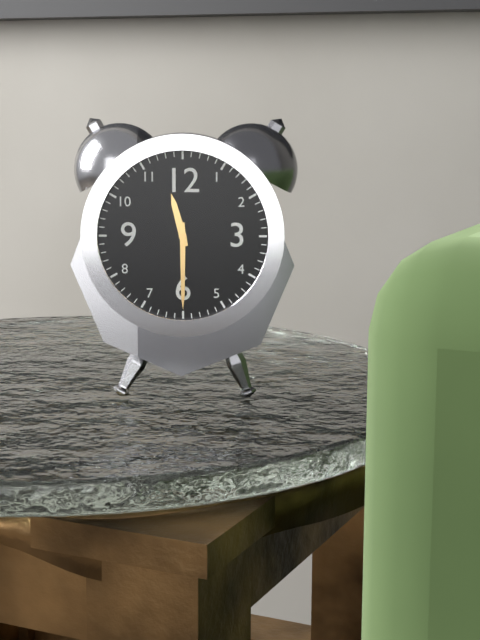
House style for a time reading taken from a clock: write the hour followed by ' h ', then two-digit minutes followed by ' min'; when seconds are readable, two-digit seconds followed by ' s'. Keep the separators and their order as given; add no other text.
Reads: 11 h 30 min
